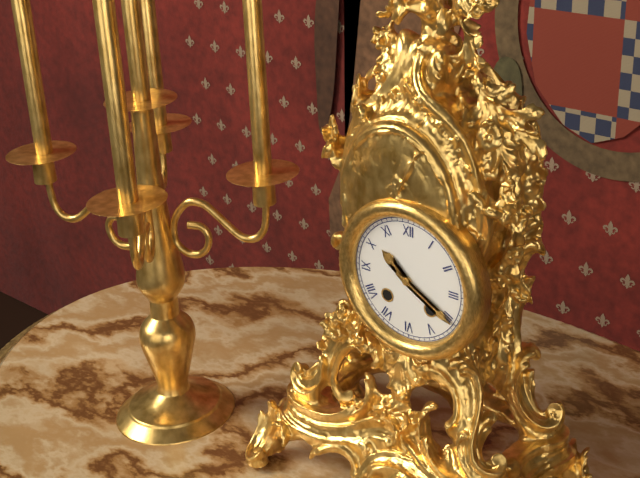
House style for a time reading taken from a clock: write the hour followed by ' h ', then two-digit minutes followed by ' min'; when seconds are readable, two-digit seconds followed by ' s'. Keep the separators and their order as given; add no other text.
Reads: 10 h 20 min
